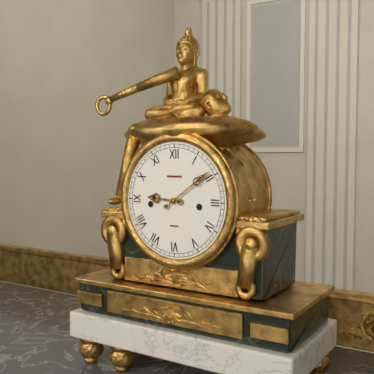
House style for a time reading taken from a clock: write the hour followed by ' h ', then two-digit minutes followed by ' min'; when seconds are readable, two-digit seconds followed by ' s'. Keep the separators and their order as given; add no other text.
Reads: 9 h 09 min
